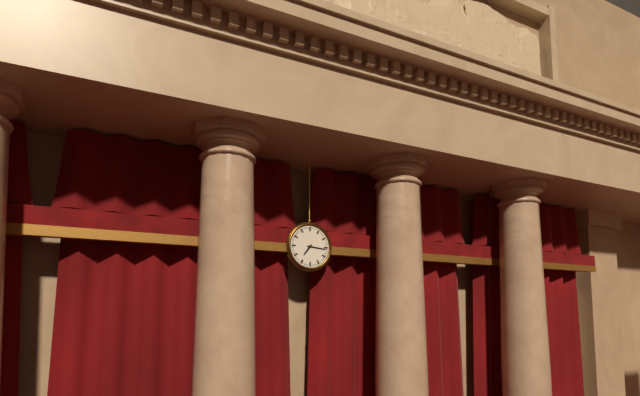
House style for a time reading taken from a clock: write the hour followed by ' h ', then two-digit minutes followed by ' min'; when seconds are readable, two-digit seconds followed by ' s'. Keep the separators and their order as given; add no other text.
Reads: 7 h 16 min
